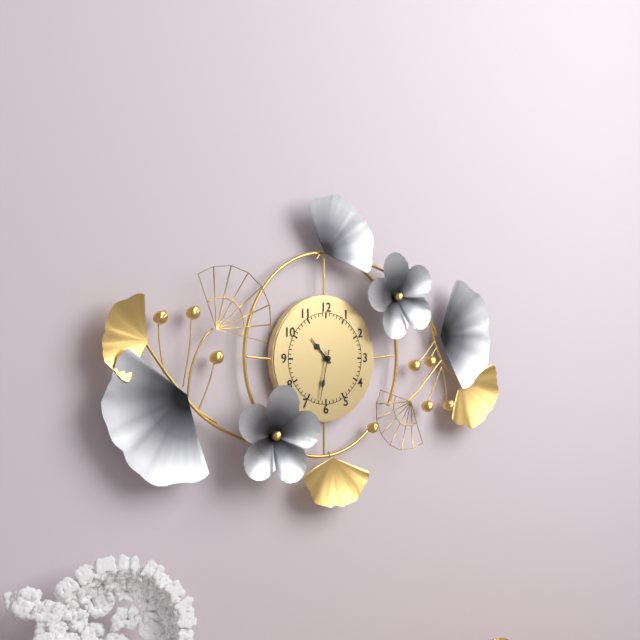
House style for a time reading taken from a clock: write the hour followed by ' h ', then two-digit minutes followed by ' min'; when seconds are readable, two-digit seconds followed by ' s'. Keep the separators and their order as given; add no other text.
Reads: 10 h 32 min
